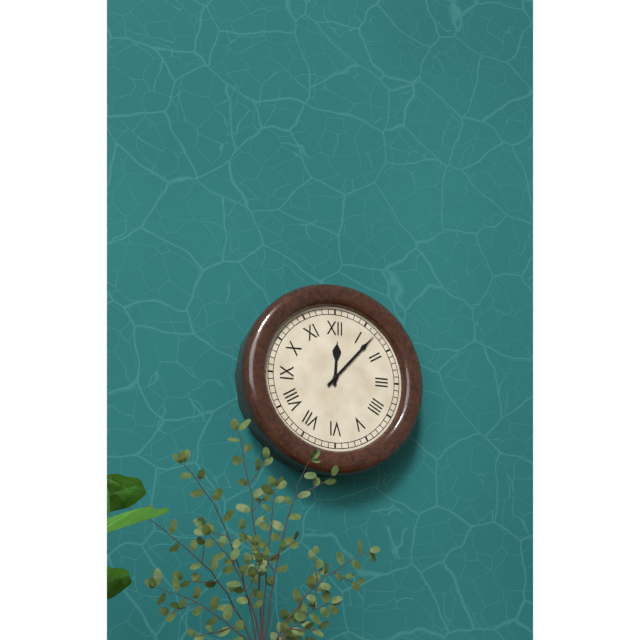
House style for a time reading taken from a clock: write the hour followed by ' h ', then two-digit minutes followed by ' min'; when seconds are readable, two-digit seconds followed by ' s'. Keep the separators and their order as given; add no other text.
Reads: 12 h 07 min
